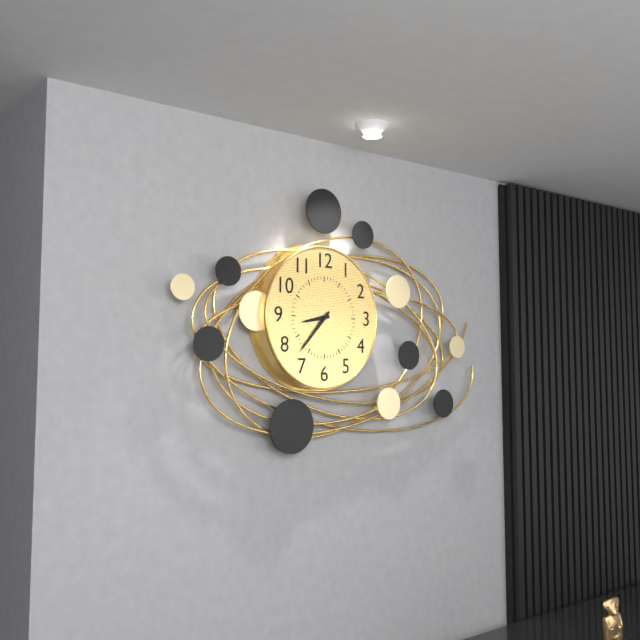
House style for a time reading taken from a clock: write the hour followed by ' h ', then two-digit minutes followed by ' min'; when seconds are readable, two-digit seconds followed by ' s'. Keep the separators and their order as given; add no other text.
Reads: 8 h 37 min
